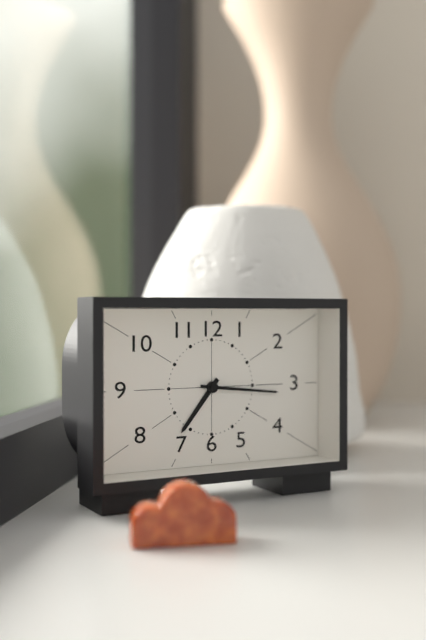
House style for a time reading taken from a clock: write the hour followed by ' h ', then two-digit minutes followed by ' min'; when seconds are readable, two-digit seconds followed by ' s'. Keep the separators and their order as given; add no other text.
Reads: 7 h 16 min
